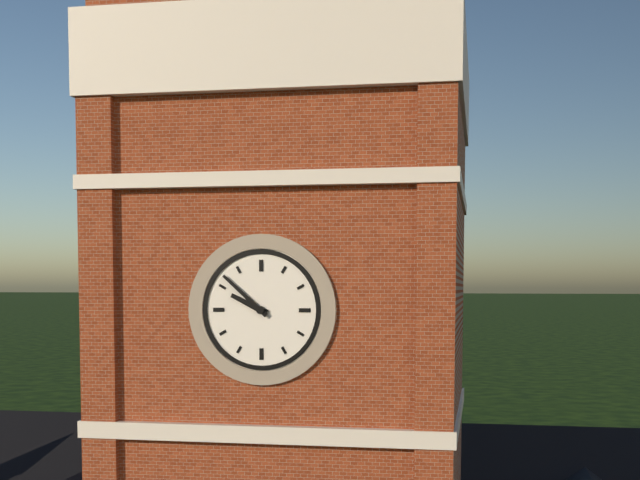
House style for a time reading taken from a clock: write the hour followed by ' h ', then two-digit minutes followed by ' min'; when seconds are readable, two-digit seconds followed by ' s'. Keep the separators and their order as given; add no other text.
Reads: 9 h 52 min
